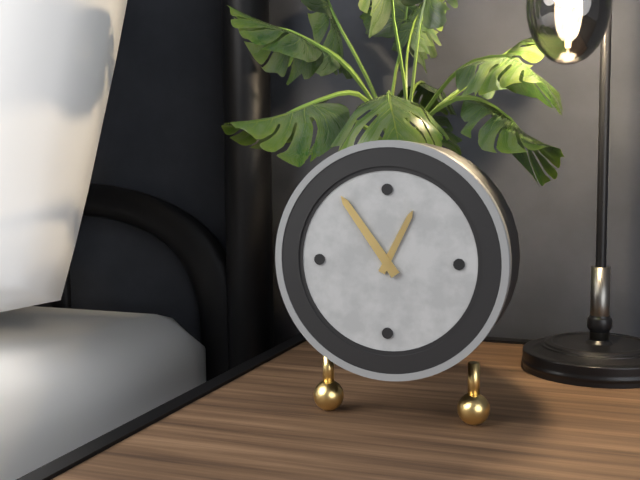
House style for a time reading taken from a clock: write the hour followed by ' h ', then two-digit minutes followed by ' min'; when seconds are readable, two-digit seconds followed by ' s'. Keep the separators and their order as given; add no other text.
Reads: 12 h 54 min
